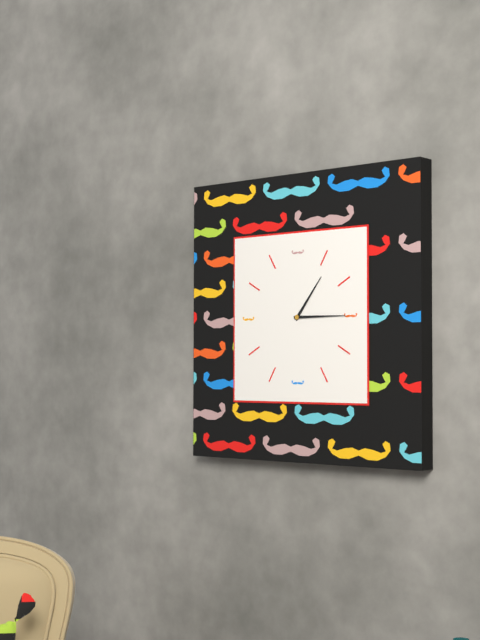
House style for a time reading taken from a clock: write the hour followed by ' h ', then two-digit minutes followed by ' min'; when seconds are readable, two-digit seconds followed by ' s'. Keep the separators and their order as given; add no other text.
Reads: 1 h 15 min
